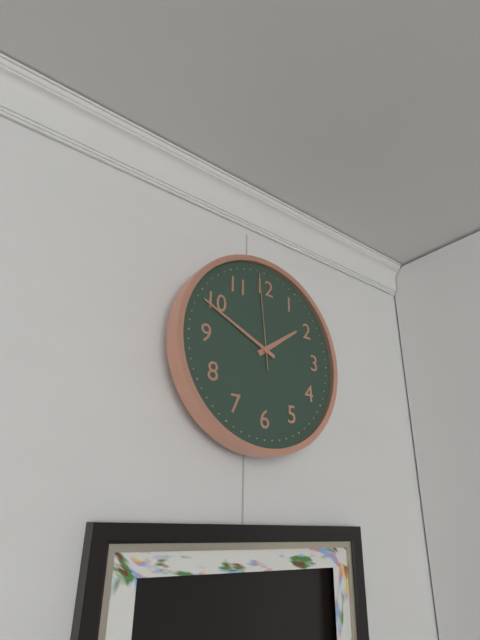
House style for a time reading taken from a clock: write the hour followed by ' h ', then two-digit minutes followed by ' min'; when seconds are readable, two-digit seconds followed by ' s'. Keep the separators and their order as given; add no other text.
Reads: 1 h 49 min 59 s
